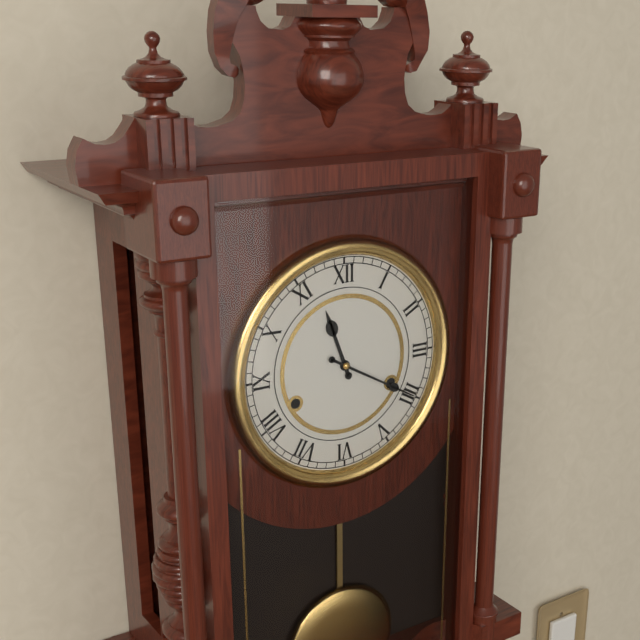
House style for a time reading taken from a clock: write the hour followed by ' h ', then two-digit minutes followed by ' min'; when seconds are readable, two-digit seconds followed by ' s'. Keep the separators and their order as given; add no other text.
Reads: 11 h 20 min
